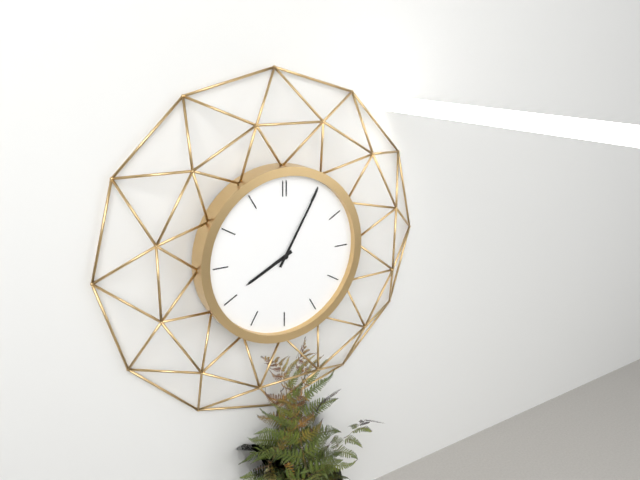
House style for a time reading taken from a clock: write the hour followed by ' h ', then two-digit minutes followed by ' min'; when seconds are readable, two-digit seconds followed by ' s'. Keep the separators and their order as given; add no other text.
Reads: 8 h 05 min
